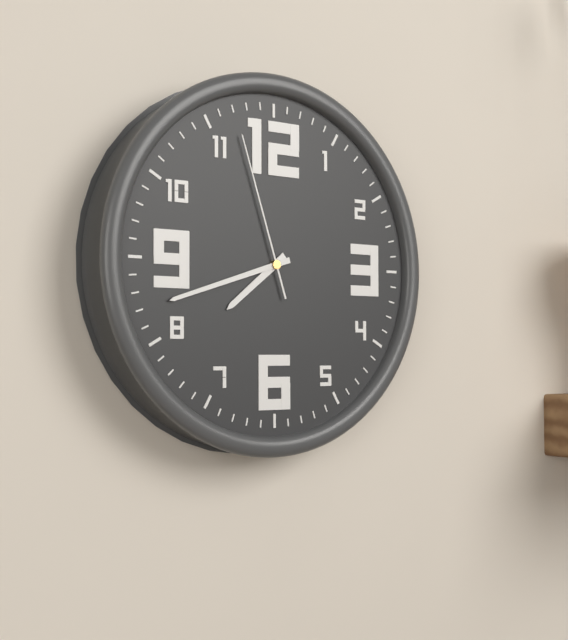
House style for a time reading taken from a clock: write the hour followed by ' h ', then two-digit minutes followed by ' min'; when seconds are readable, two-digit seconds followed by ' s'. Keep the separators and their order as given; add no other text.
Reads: 7 h 42 min 57 s
